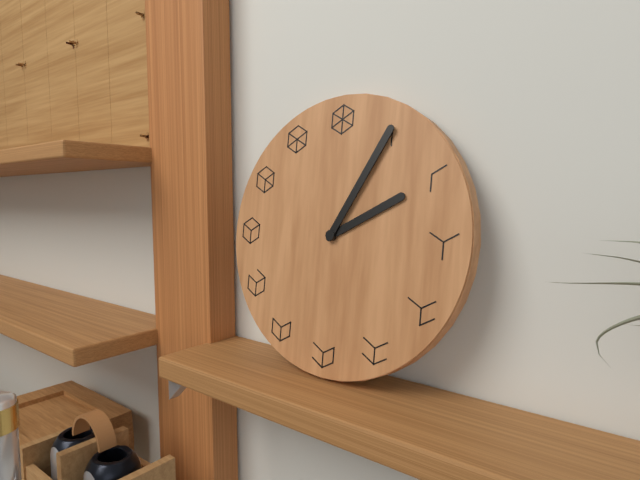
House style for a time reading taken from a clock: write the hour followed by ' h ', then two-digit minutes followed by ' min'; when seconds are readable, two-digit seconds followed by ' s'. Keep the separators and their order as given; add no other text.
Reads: 2 h 05 min
